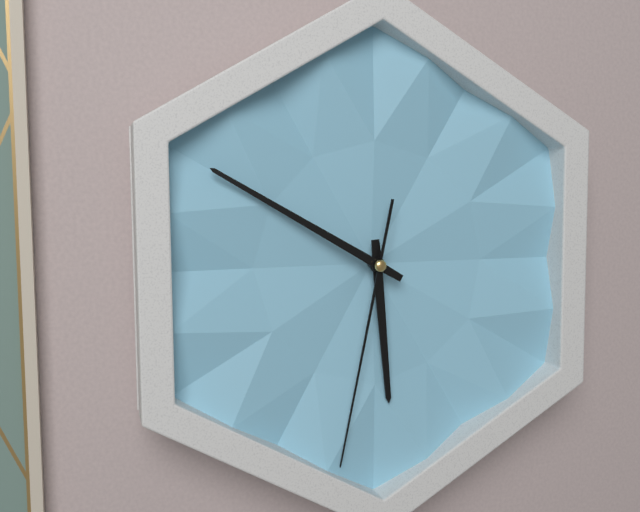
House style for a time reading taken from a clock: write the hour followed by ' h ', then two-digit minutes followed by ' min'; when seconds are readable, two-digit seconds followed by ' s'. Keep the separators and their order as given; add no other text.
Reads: 5 h 50 min 32 s
